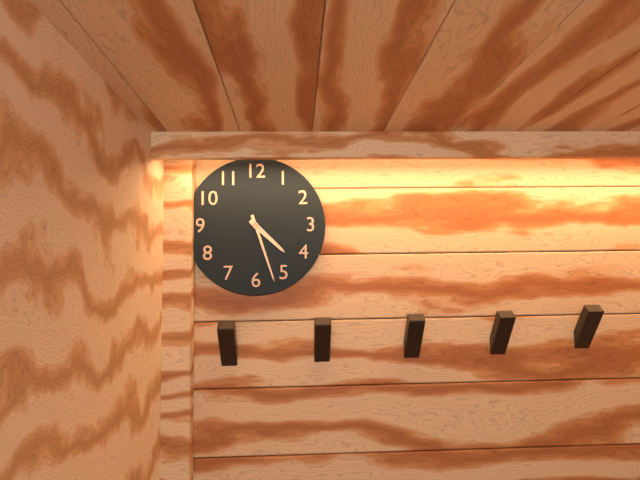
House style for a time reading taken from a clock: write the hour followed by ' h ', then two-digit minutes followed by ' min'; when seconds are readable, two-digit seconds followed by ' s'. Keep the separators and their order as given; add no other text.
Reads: 4 h 27 min
